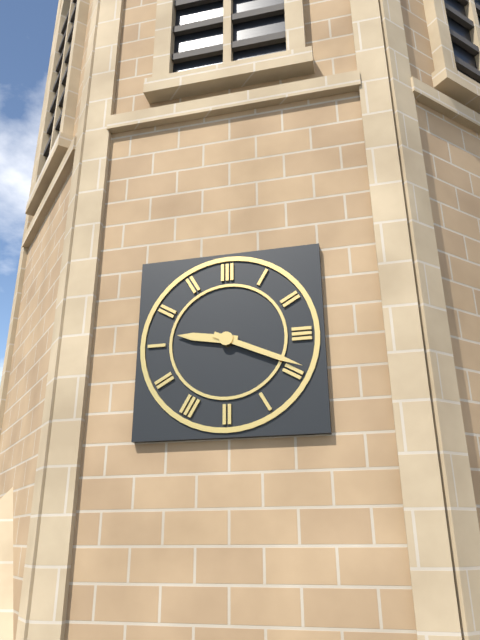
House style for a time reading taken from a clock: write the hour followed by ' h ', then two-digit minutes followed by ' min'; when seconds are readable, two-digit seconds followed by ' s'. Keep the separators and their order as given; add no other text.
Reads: 9 h 19 min
